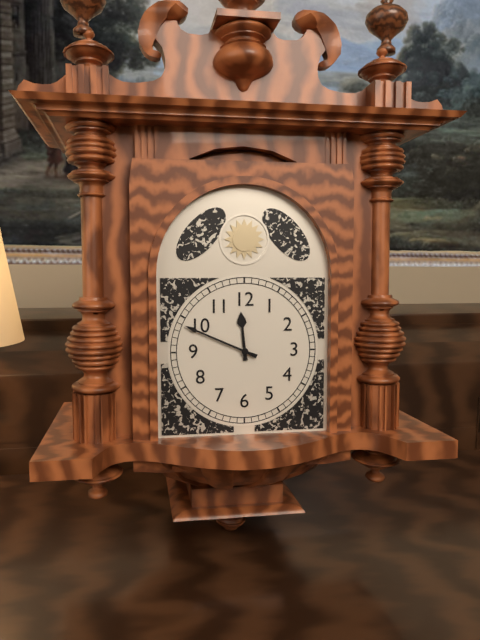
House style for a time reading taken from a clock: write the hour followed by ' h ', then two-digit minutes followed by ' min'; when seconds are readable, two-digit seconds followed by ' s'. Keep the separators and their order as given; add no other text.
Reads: 11 h 49 min
